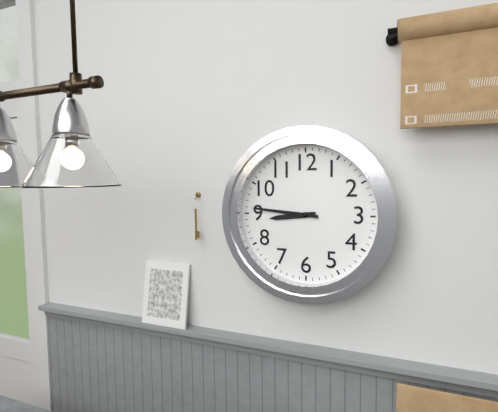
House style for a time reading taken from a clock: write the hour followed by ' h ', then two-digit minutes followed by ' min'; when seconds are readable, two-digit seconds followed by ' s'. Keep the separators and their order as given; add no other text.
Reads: 8 h 46 min
